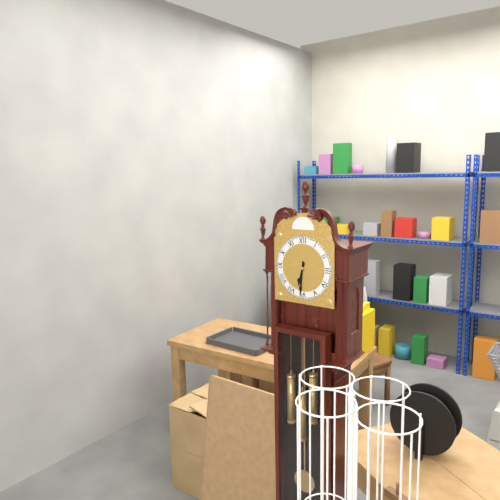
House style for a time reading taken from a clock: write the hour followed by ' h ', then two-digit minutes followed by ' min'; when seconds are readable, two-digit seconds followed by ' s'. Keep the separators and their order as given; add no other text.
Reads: 6 h 31 min
